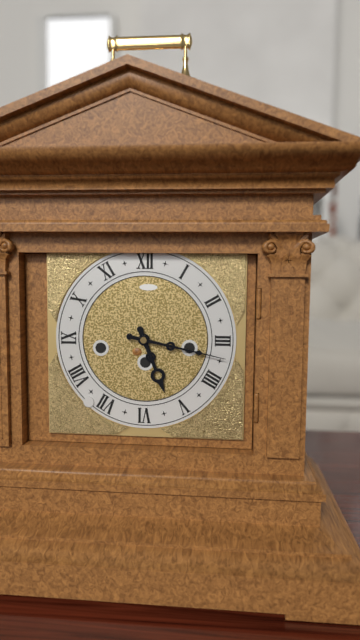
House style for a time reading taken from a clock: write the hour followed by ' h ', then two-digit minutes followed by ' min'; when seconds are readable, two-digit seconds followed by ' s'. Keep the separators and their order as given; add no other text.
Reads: 5 h 17 min
